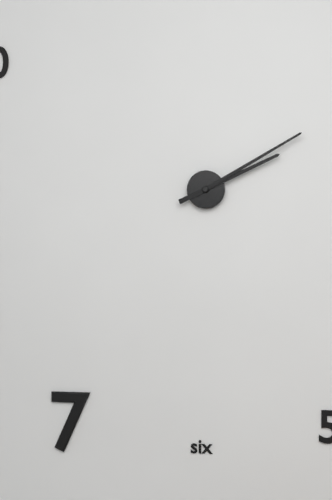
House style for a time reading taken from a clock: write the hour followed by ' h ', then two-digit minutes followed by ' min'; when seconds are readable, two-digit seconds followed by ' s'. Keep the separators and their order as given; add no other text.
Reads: 2 h 10 min
